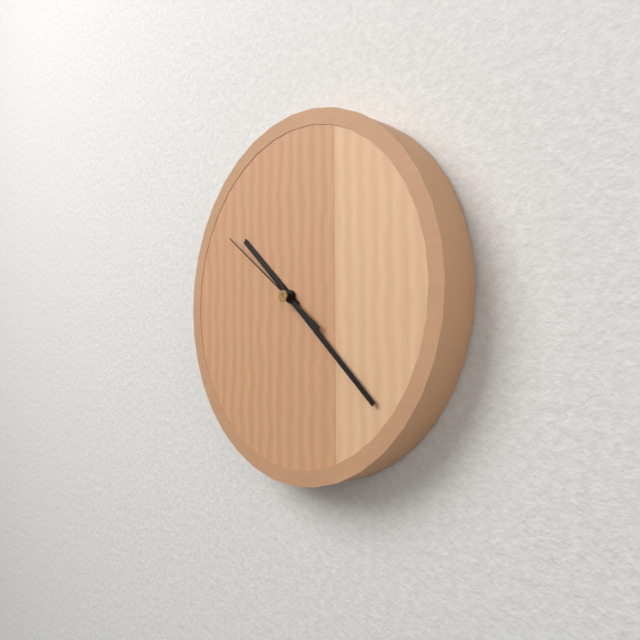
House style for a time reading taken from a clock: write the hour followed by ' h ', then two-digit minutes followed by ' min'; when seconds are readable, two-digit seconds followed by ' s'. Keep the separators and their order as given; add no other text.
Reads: 10 h 22 min 51 s
